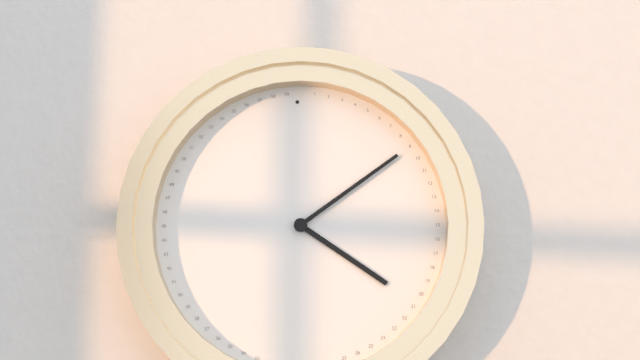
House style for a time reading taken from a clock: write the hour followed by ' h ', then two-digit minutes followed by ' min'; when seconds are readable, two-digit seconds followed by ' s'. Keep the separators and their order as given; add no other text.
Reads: 4 h 09 min
